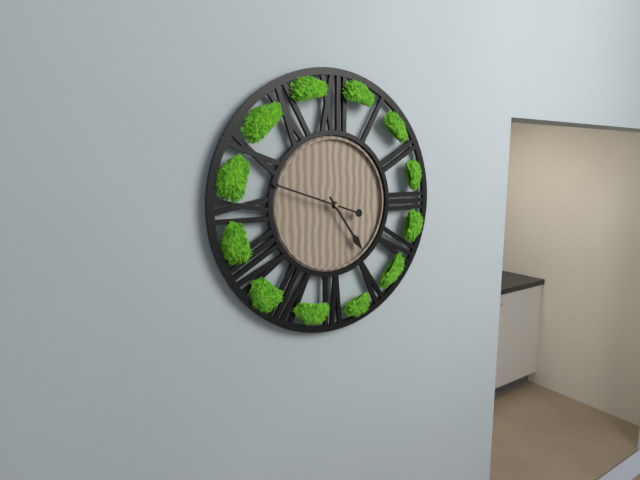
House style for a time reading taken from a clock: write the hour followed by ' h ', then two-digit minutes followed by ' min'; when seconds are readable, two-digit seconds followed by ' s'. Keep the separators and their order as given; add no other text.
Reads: 4 h 48 min
